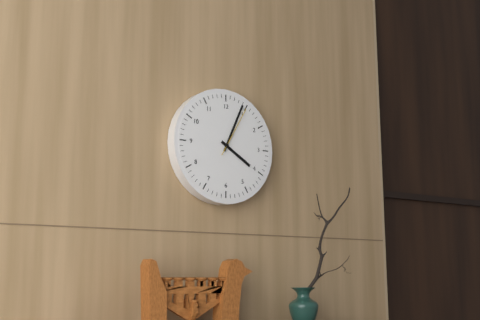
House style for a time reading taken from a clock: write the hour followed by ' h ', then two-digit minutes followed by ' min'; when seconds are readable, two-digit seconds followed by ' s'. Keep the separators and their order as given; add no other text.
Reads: 4 h 04 min 05 s
